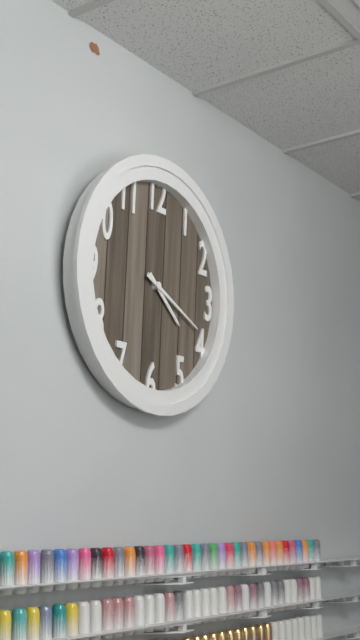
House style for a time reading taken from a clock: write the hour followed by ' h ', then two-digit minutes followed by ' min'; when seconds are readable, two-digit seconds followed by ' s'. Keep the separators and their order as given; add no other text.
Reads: 4 h 19 min
